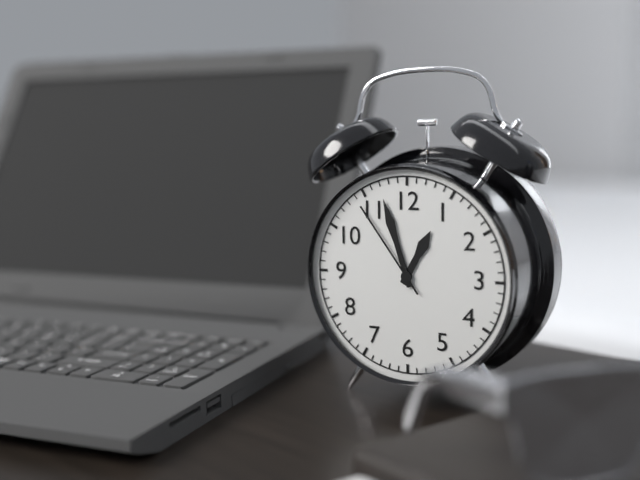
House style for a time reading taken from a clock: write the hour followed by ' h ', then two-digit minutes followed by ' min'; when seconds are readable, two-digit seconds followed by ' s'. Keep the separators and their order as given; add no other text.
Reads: 12 h 57 min 54 s
